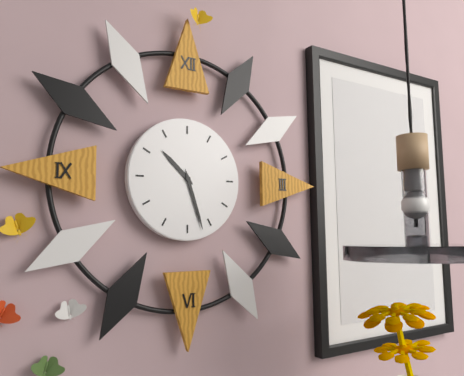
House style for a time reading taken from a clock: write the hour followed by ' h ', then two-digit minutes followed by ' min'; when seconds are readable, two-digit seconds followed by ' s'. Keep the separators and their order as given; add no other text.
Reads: 10 h 27 min
